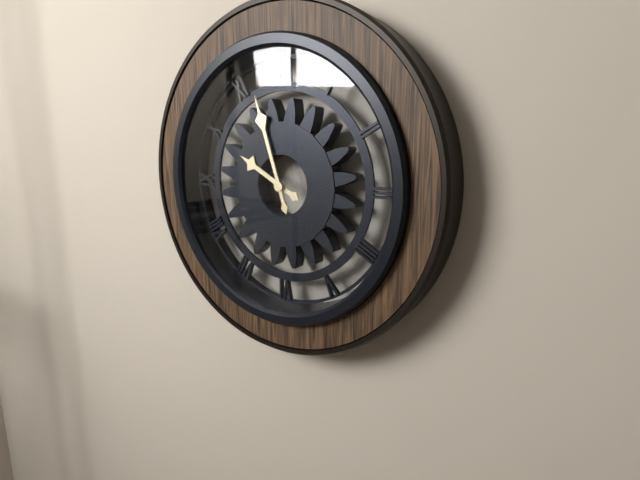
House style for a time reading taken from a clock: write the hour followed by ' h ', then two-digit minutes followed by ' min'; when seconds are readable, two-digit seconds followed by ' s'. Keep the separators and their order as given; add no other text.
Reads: 9 h 57 min
